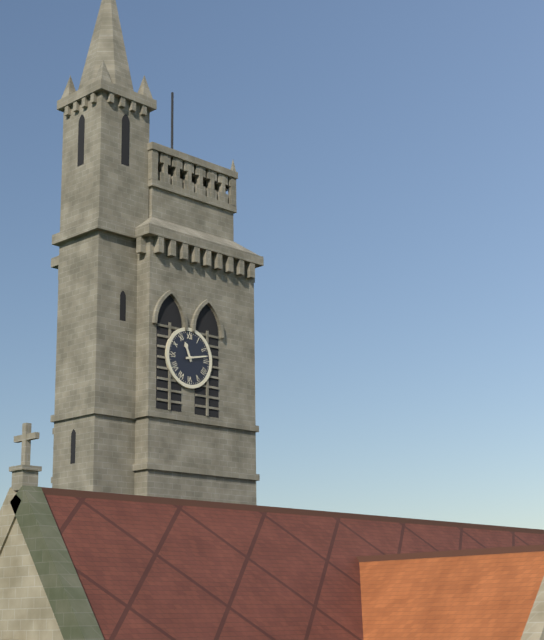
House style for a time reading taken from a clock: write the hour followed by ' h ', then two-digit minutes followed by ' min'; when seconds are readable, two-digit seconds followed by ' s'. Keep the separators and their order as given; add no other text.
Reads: 11 h 13 min
